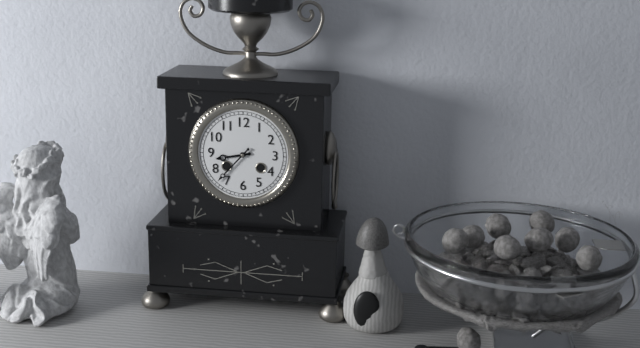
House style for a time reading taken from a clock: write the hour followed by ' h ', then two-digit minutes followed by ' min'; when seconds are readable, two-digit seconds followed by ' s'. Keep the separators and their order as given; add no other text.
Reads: 8 h 37 min
